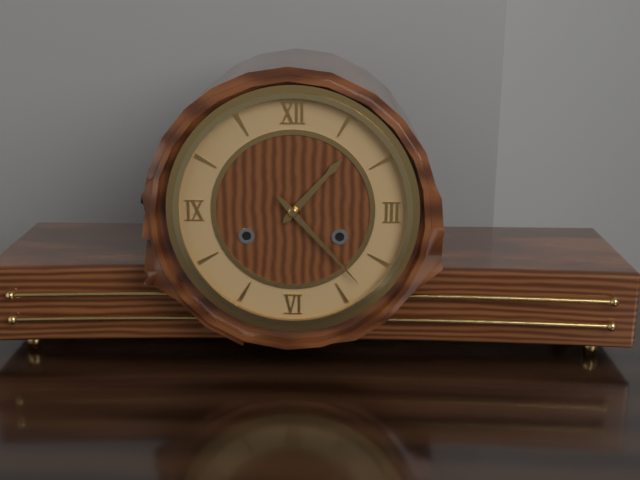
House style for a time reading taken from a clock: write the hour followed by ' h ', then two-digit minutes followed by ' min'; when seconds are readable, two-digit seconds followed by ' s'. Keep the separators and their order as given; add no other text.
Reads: 1 h 23 min
